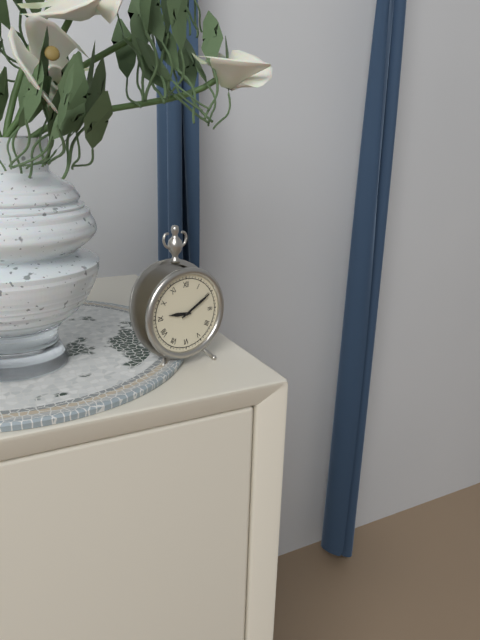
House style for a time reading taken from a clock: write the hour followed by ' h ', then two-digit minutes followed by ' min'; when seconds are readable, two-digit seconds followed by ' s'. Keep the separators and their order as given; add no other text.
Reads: 9 h 10 min
